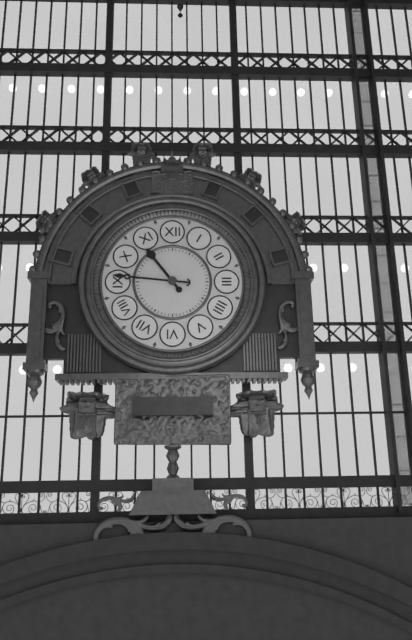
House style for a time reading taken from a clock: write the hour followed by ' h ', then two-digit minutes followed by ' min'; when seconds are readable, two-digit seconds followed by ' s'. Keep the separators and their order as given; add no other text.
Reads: 10 h 46 min
